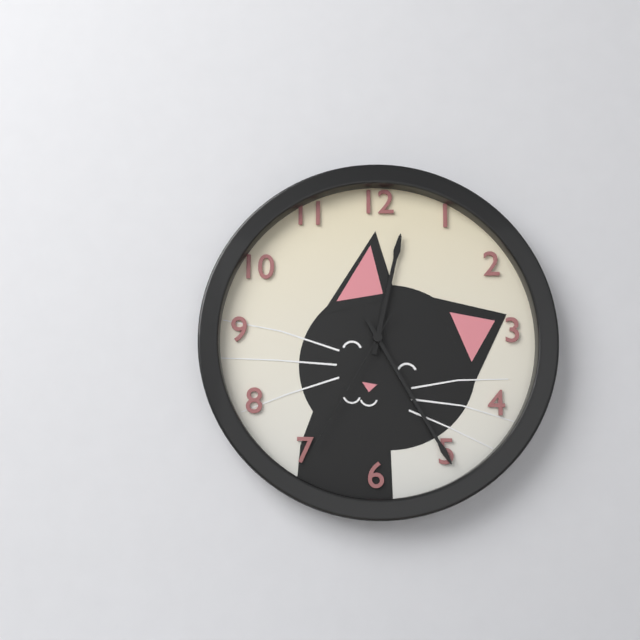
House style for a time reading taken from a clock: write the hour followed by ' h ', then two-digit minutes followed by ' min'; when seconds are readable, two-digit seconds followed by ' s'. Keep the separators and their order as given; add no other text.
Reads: 12 h 25 min 35 s
